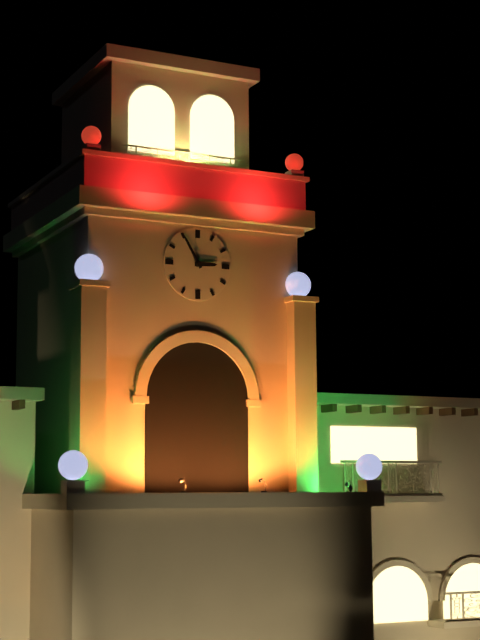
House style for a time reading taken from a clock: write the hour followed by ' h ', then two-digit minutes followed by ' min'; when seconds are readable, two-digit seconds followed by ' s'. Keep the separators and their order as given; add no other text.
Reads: 2 h 55 min
